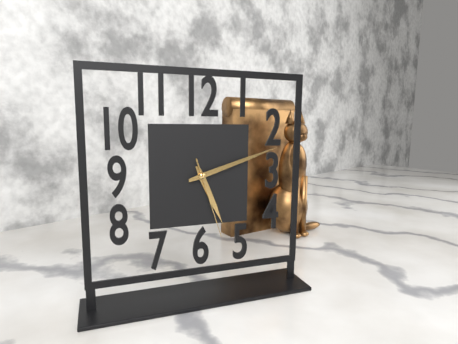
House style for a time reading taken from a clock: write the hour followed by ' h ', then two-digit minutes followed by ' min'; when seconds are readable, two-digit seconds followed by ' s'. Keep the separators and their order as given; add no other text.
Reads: 5 h 12 min 27 s
